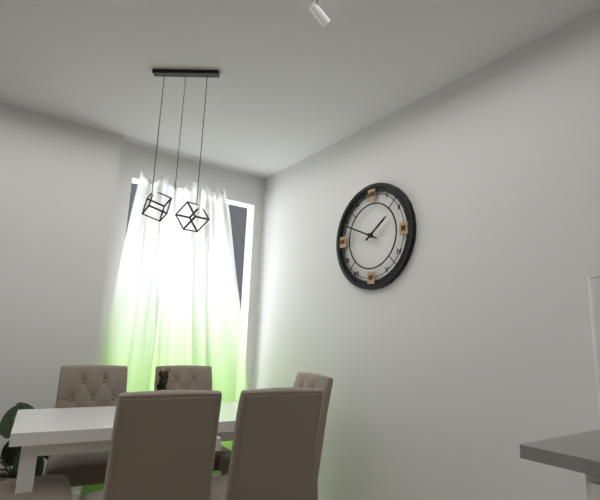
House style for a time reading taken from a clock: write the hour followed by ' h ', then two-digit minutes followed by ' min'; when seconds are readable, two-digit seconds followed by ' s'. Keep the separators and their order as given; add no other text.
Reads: 1 h 49 min
